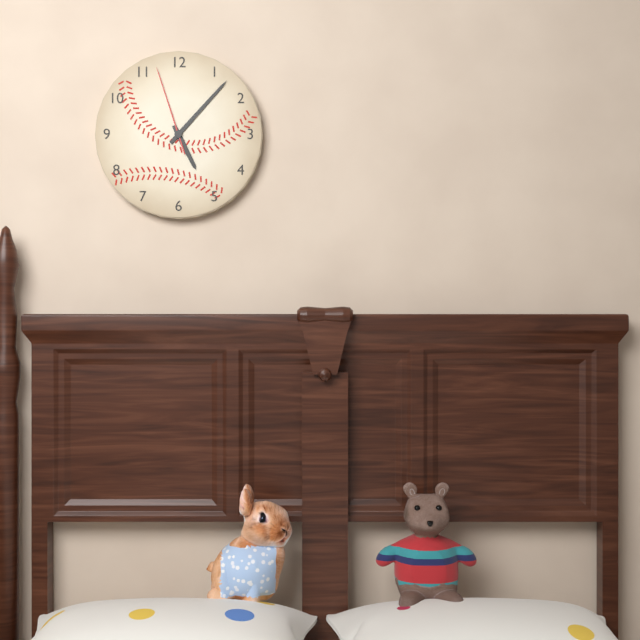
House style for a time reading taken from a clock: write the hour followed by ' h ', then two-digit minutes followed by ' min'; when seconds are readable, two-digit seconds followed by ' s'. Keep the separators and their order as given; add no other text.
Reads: 5 h 07 min 57 s
